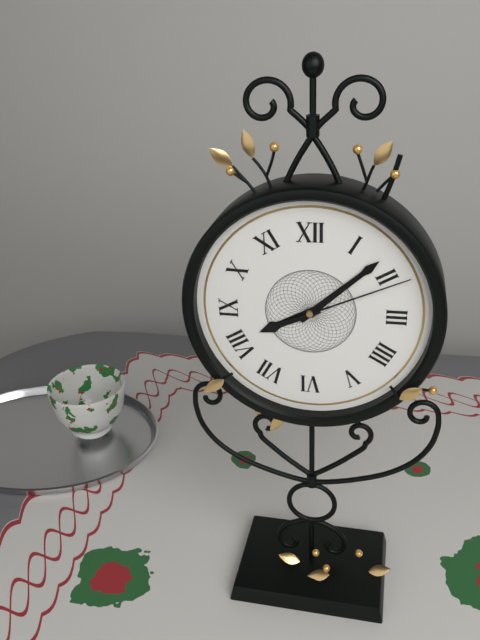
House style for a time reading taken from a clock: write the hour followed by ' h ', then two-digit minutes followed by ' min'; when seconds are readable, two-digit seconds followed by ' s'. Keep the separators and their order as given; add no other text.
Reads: 8 h 08 min 11 s
